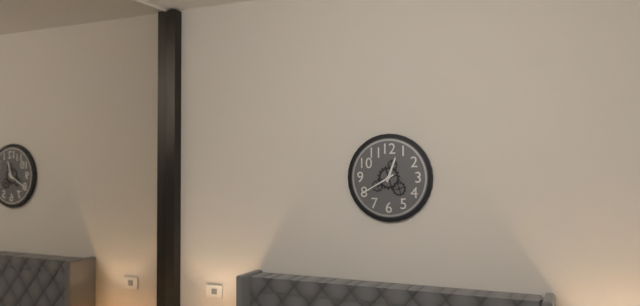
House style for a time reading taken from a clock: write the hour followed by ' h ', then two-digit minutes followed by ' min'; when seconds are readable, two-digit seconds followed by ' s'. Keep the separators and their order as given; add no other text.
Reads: 12 h 40 min
